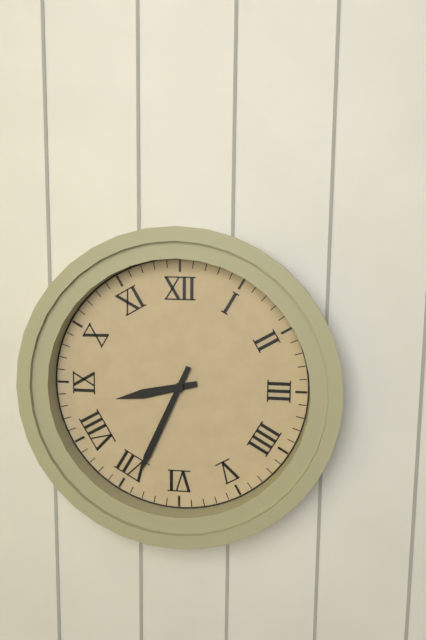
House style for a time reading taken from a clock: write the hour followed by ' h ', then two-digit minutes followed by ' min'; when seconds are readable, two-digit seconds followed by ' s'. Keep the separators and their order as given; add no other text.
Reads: 8 h 34 min
